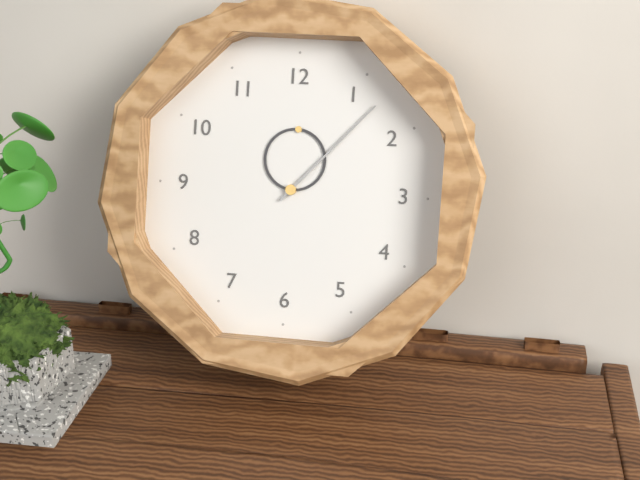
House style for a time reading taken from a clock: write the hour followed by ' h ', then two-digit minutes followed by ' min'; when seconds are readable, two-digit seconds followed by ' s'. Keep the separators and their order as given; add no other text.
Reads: 12 h 07 min
